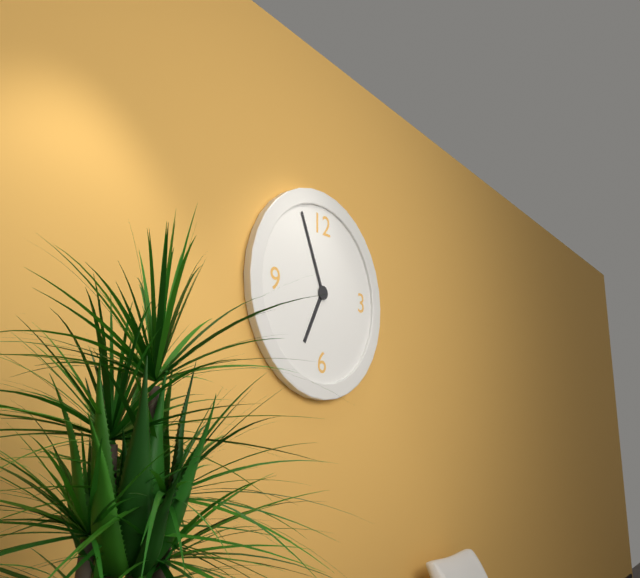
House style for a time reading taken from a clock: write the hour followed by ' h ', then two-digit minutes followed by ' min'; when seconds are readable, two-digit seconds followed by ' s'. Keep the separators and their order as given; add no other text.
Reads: 6 h 56 min
